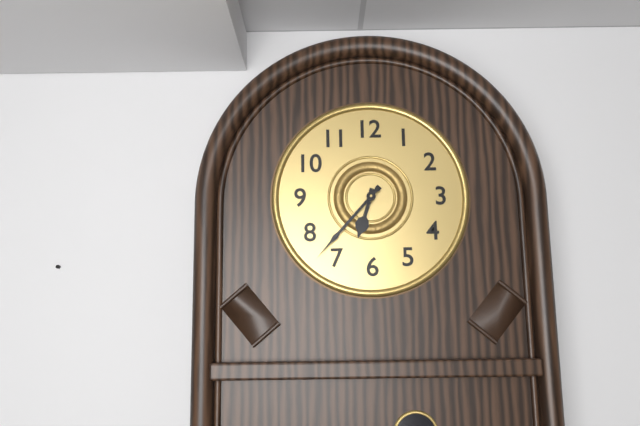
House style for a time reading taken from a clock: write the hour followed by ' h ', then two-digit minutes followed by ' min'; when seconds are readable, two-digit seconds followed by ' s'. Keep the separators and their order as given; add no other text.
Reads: 6 h 37 min
